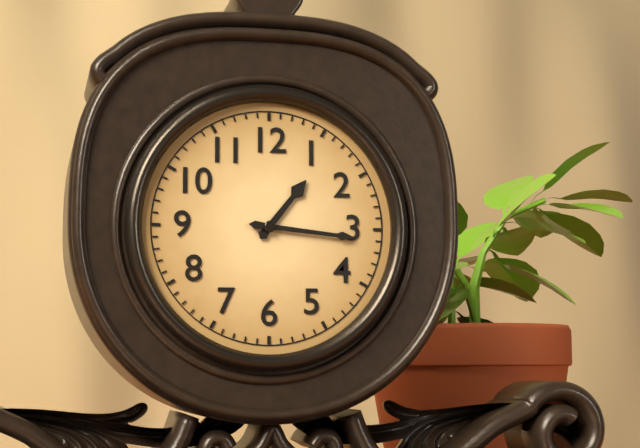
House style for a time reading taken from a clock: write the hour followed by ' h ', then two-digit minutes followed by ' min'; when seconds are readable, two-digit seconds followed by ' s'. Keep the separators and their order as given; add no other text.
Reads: 1 h 16 min
